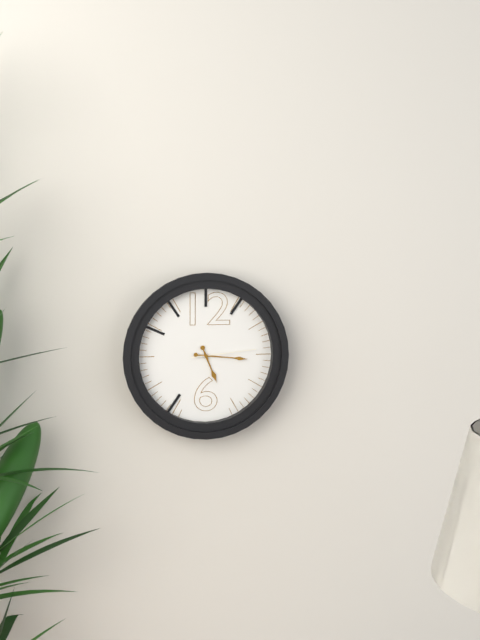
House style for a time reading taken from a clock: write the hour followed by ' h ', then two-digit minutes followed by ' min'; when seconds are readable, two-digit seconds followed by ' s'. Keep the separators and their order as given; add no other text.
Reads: 5 h 16 min 14 s
